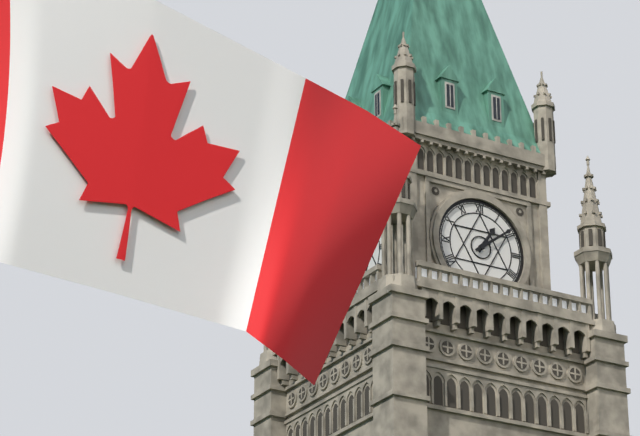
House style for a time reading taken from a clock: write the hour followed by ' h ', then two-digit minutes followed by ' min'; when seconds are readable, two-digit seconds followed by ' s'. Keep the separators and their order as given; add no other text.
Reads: 1 h 09 min
